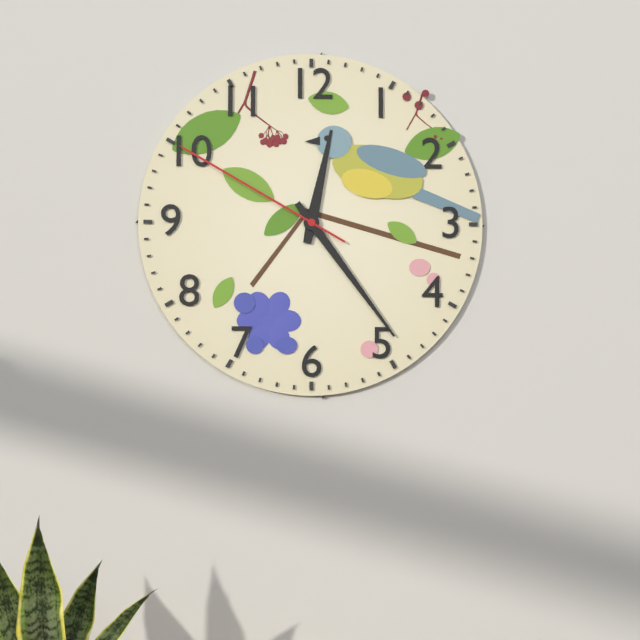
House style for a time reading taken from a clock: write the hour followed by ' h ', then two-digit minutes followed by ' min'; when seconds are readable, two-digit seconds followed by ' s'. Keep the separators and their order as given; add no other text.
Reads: 12 h 24 min 50 s
